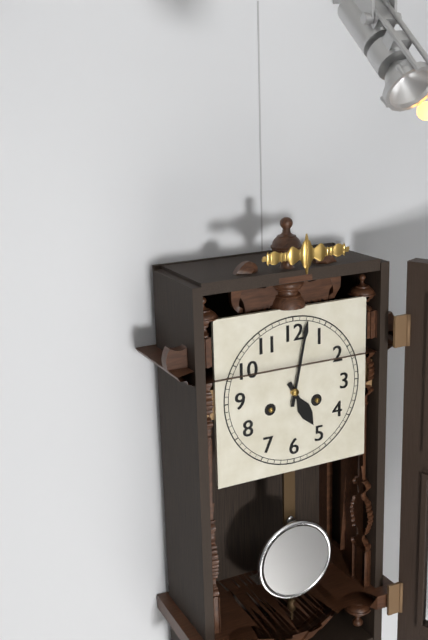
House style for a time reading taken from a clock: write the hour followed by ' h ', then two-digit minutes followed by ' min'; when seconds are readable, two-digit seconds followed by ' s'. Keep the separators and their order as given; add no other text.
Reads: 5 h 02 min
